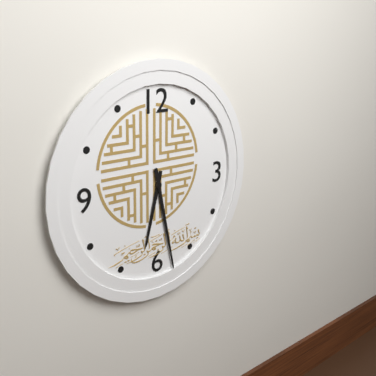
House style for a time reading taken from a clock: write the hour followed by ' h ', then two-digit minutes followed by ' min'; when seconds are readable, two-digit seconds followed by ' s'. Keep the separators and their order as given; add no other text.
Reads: 6 h 28 min
